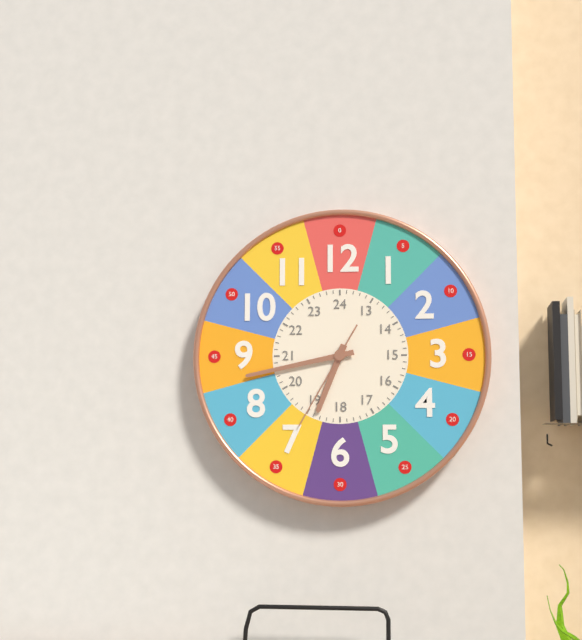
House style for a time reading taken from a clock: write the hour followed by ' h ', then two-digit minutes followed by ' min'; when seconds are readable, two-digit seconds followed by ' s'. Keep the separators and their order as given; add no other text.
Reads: 6 h 43 min 35 s
